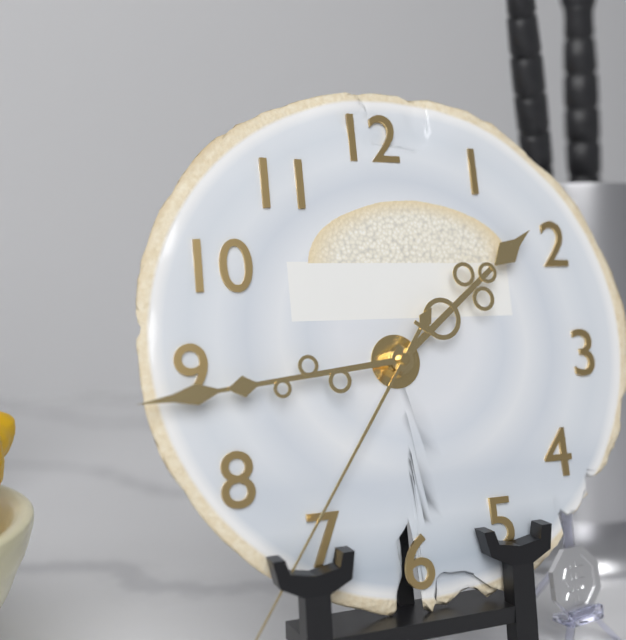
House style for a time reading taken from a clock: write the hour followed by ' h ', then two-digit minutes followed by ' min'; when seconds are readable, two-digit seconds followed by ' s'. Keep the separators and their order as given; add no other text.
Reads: 1 h 44 min
